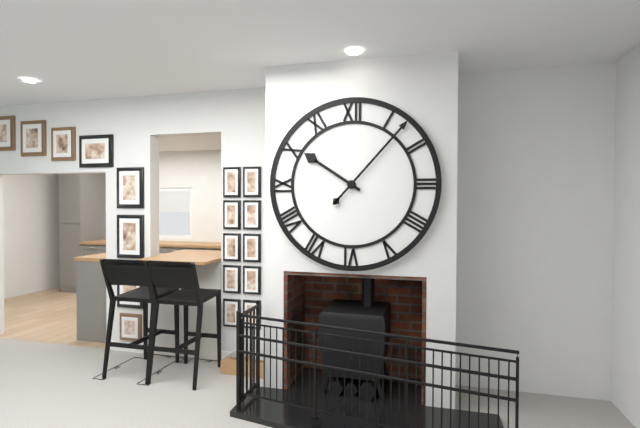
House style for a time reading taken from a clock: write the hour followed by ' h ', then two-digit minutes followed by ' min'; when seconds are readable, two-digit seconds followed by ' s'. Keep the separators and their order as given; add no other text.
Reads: 10 h 07 min
